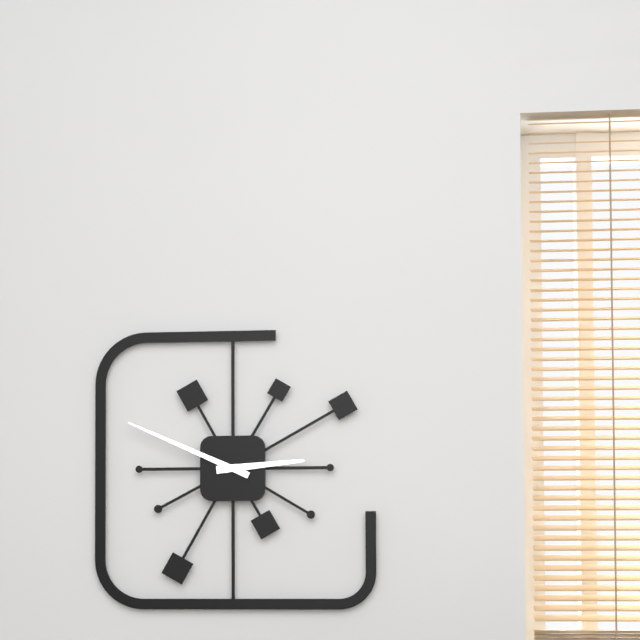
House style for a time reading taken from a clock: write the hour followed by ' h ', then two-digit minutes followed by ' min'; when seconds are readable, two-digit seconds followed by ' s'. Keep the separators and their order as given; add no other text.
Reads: 2 h 49 min
